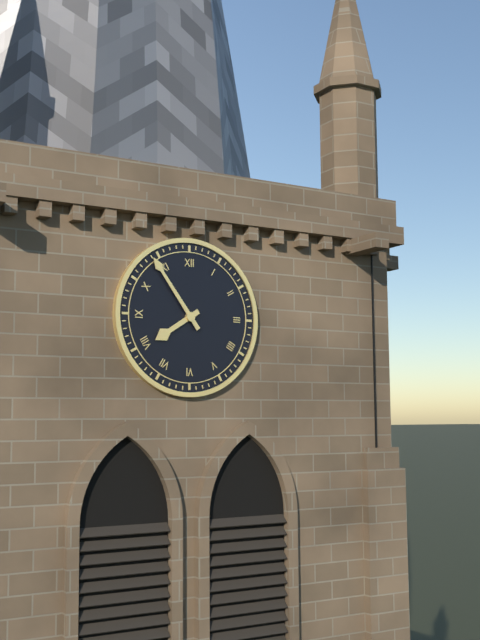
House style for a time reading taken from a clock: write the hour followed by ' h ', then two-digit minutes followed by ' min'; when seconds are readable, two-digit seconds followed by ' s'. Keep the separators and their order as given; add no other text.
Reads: 7 h 54 min
